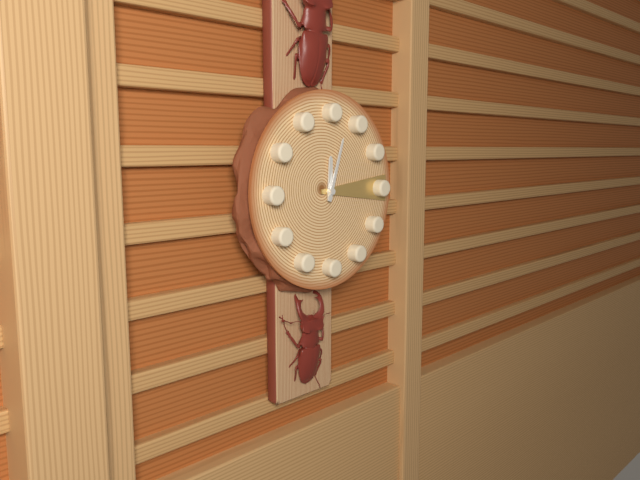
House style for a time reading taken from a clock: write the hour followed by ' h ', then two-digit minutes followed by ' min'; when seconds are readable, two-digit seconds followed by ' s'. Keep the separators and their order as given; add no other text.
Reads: 12 h 03 min 15 s
